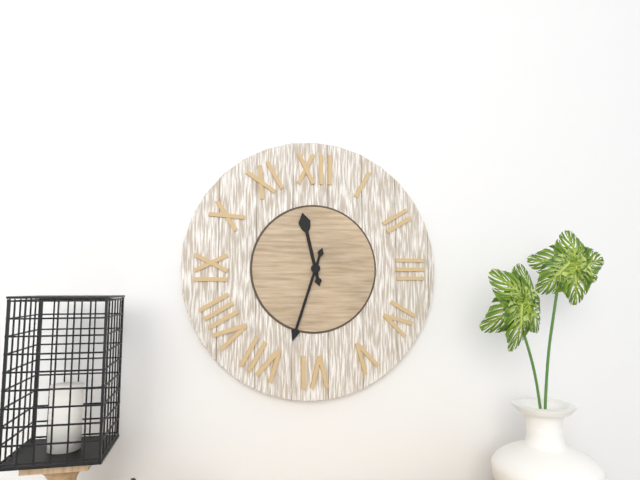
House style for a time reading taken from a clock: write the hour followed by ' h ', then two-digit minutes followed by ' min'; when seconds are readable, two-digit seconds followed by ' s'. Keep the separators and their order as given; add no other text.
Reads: 11 h 33 min
